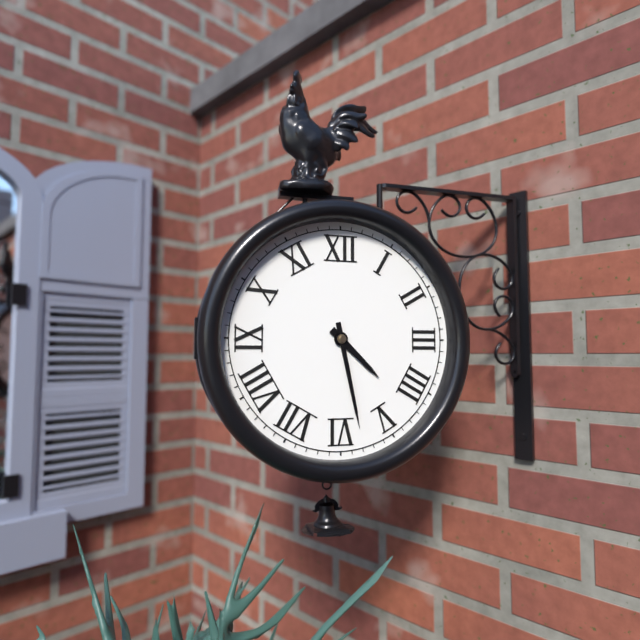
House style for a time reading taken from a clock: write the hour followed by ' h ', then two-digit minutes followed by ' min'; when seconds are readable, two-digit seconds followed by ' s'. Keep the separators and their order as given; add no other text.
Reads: 4 h 28 min
